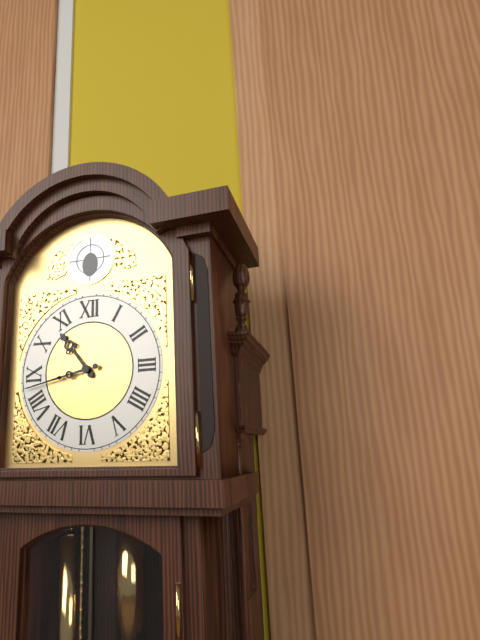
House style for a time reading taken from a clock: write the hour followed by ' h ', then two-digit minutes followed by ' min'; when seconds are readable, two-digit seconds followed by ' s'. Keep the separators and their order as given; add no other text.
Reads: 10 h 43 min
